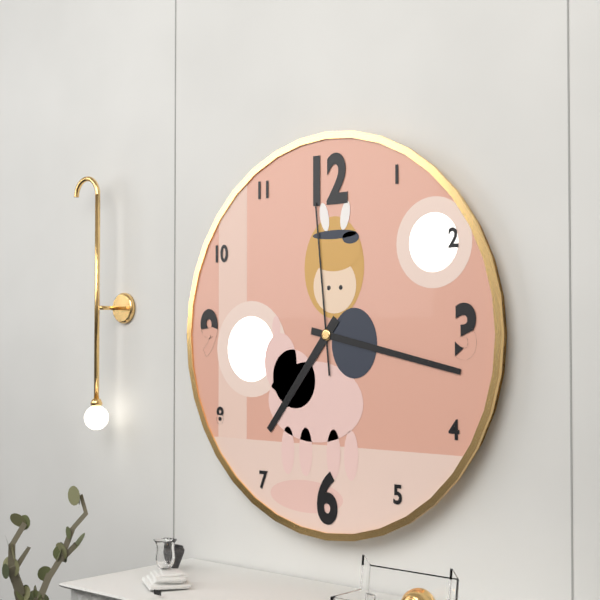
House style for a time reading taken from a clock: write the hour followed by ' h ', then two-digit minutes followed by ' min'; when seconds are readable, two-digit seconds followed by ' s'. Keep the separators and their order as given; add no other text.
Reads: 7 h 17 min 59 s
